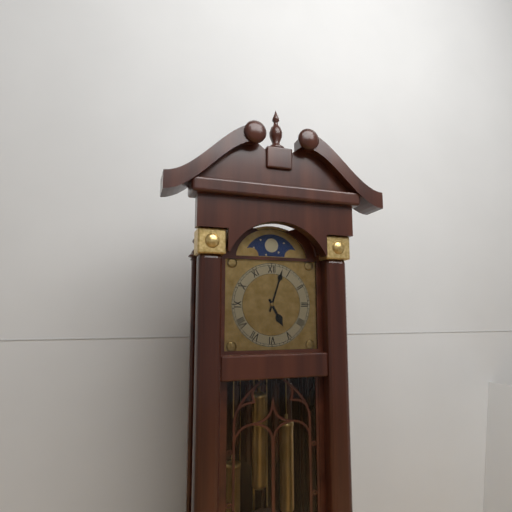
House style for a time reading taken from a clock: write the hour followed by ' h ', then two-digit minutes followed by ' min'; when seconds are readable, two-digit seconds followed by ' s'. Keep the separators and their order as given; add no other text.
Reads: 5 h 03 min
